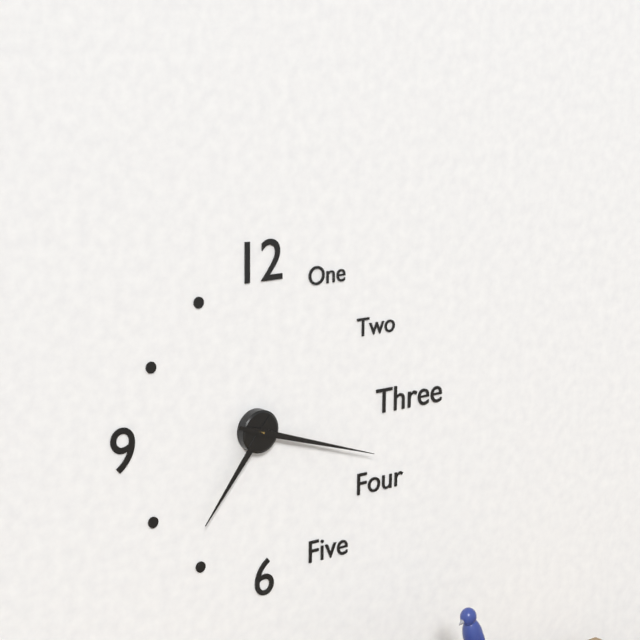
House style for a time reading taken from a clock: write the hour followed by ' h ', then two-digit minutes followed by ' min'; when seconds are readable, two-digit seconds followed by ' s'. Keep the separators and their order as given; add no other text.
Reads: 7 h 18 min
